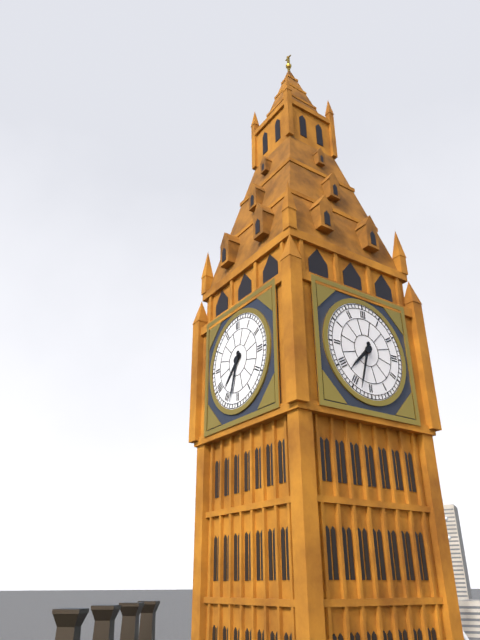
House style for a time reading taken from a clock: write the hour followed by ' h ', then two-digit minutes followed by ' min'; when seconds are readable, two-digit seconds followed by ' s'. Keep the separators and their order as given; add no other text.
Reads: 7 h 33 min
